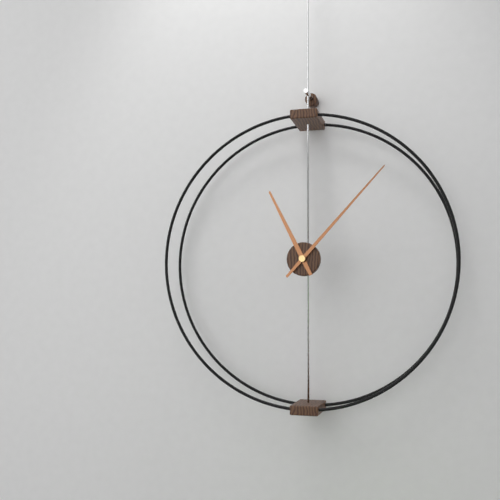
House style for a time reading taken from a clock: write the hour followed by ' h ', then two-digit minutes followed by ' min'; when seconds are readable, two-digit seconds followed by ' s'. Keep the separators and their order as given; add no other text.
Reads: 11 h 07 min
